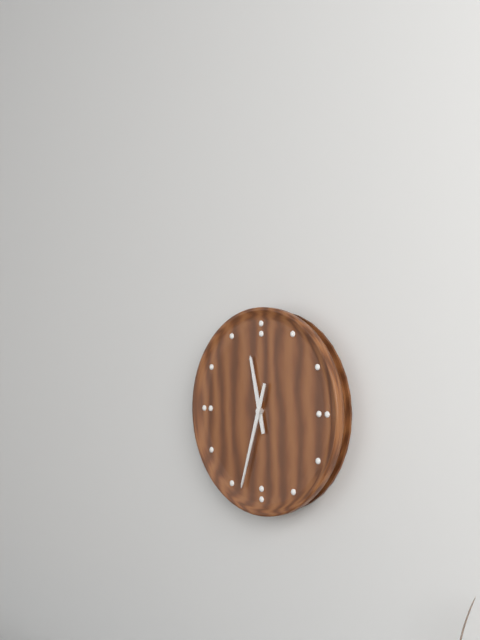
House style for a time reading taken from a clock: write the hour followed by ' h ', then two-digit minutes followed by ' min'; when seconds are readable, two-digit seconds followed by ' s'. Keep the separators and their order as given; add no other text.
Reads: 11 h 33 min
